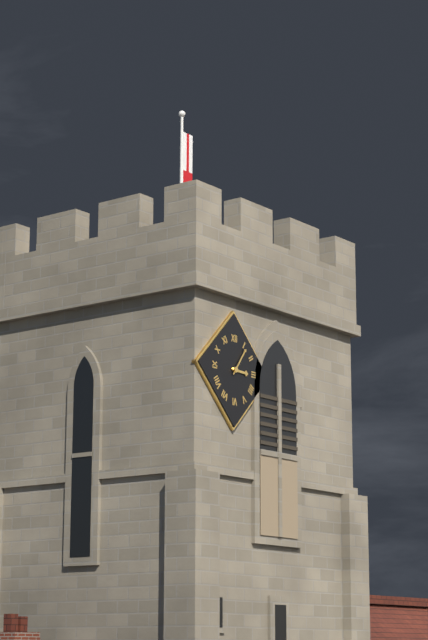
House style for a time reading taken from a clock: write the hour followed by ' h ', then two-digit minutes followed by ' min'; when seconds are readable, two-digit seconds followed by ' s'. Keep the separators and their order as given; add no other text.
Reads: 3 h 06 min
